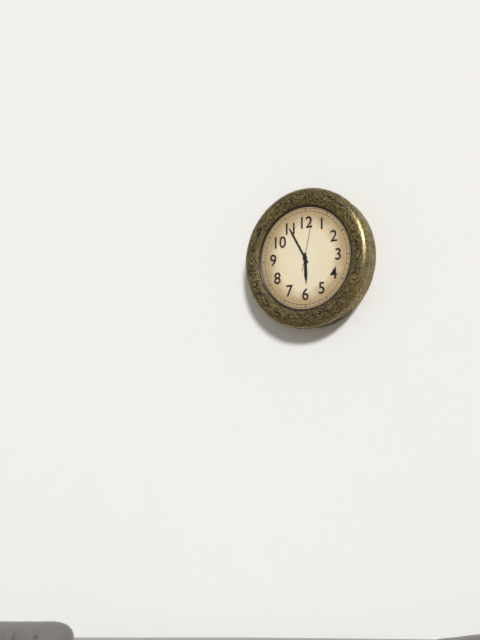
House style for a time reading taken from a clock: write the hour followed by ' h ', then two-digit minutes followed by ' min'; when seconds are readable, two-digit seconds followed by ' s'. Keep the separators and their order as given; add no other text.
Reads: 5 h 55 min
